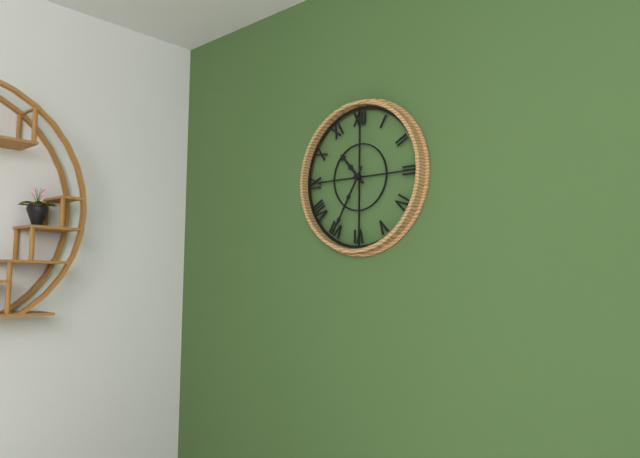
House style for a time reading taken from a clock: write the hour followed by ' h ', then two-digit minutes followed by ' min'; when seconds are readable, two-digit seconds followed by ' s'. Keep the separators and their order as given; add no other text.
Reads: 10 h 35 min
